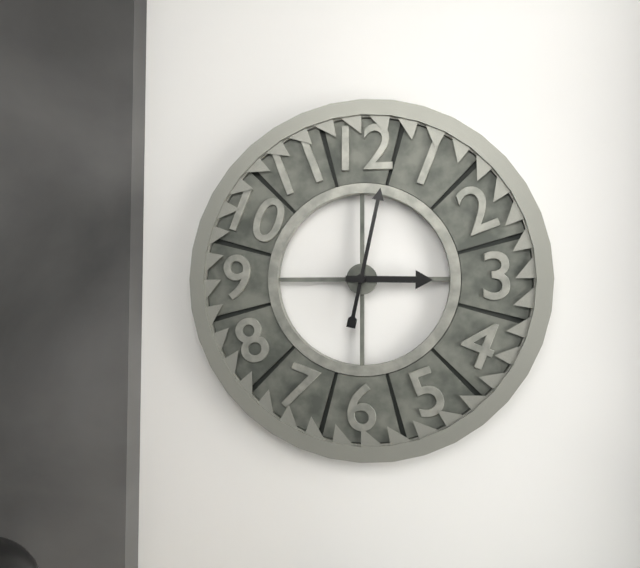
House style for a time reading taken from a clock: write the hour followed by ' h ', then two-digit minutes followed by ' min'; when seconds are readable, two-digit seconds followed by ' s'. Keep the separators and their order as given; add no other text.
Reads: 3 h 02 min
